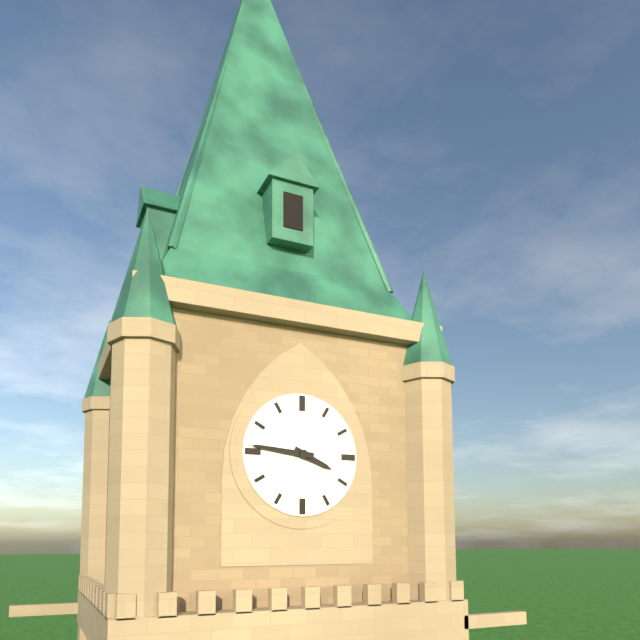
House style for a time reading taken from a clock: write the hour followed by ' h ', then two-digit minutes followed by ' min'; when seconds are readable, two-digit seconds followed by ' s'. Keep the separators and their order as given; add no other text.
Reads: 3 h 46 min
